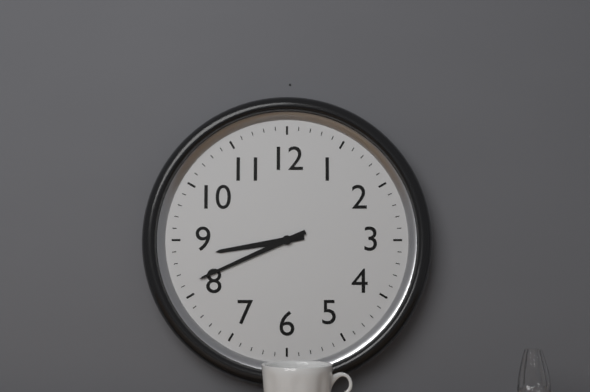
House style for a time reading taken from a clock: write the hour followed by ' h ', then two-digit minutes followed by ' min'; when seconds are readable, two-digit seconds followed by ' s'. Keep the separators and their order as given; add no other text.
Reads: 8 h 41 min
